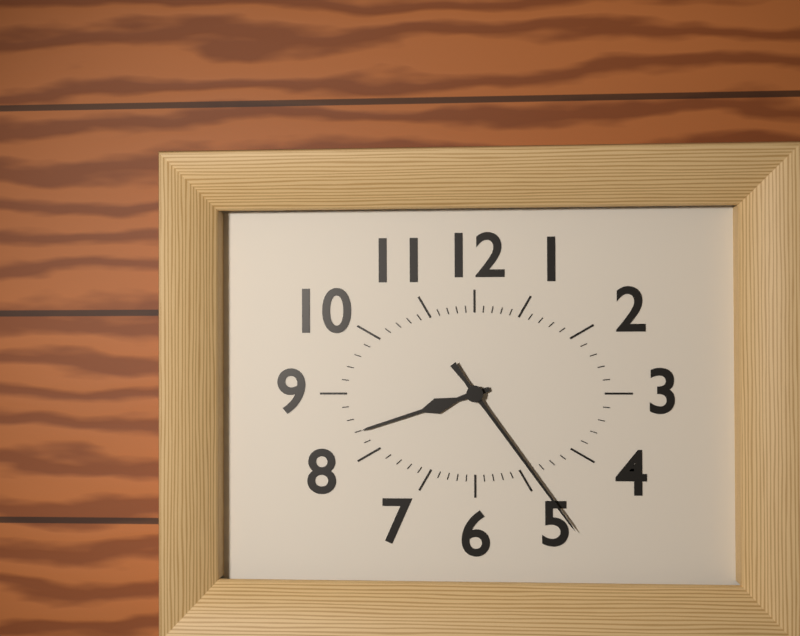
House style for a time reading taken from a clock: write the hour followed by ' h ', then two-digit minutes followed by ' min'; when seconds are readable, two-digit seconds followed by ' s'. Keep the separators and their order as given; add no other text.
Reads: 8 h 24 min
